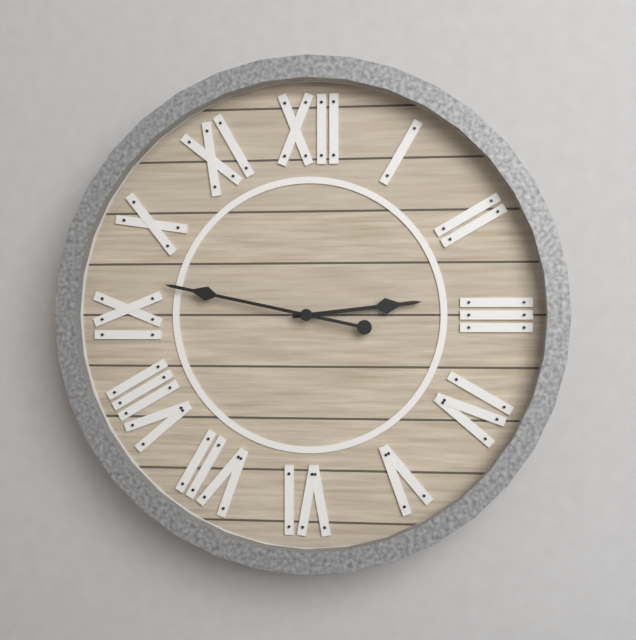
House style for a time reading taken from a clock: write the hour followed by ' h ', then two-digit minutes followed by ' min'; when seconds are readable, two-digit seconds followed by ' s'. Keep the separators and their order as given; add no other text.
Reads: 2 h 47 min
